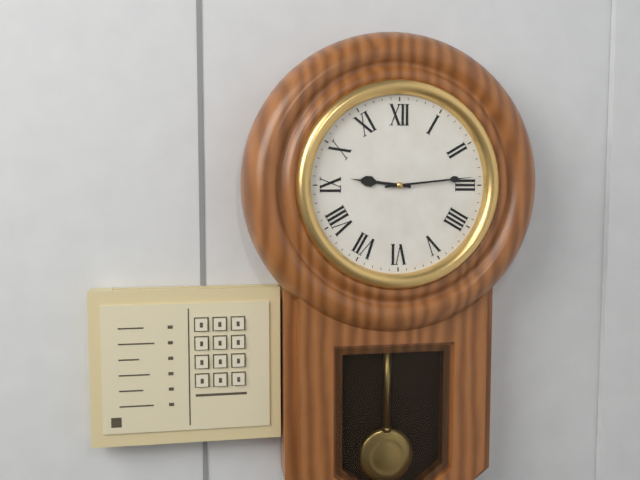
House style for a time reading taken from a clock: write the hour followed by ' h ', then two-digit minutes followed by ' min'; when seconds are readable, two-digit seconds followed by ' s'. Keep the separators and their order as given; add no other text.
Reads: 9 h 14 min
